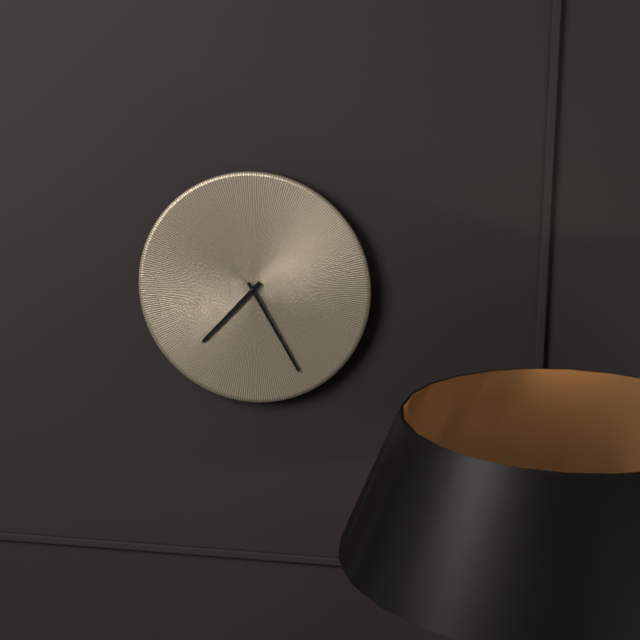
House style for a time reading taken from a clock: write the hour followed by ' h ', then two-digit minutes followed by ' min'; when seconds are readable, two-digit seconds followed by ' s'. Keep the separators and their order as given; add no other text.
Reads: 7 h 25 min
